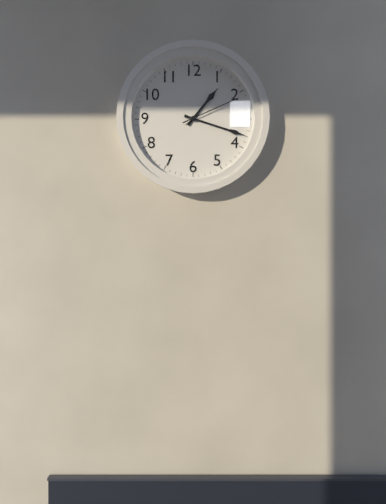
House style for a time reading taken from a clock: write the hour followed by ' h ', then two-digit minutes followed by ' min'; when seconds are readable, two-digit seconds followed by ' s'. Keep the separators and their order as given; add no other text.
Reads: 1 h 18 min 11 s
